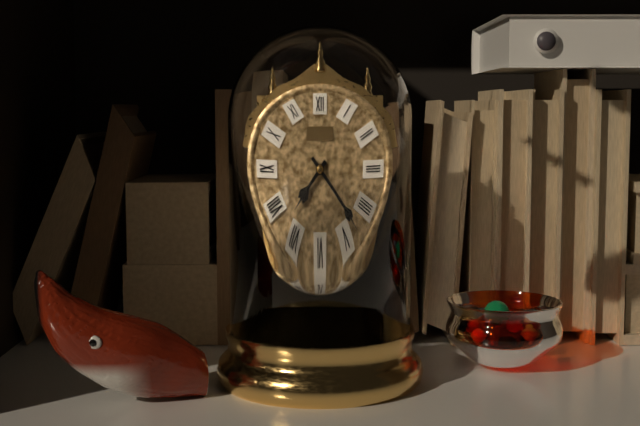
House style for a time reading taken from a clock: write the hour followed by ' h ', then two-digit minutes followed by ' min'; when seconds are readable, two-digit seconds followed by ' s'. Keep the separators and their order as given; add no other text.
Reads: 7 h 23 min
